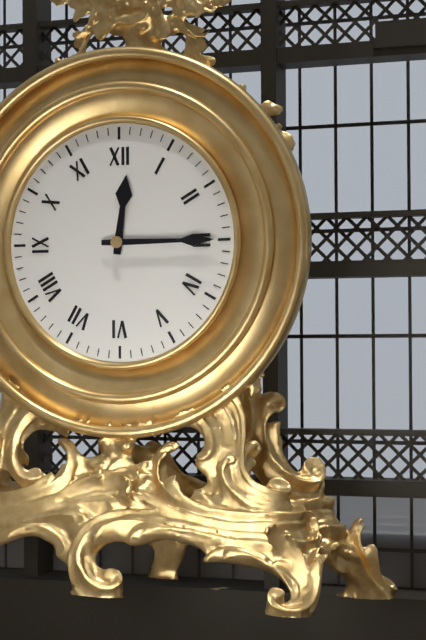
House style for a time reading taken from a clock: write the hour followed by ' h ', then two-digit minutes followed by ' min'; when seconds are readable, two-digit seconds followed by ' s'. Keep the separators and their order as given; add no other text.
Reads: 12 h 15 min
